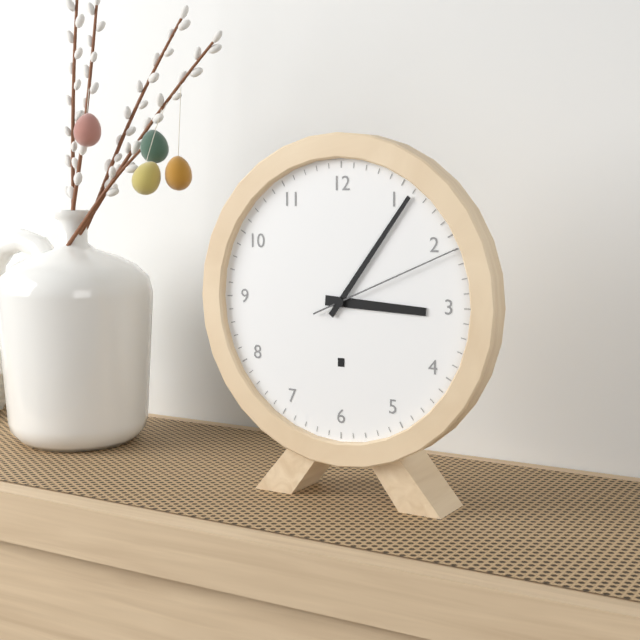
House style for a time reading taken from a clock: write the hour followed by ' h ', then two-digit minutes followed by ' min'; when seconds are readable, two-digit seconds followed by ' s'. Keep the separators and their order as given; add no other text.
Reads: 3 h 06 min 11 s
